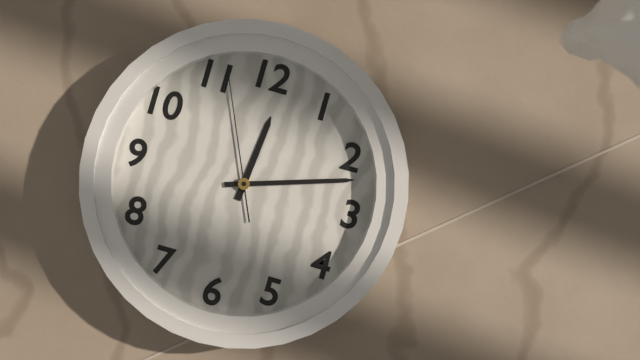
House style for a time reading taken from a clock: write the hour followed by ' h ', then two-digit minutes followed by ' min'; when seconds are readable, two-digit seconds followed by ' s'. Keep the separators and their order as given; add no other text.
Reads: 12 h 12 min 56 s
